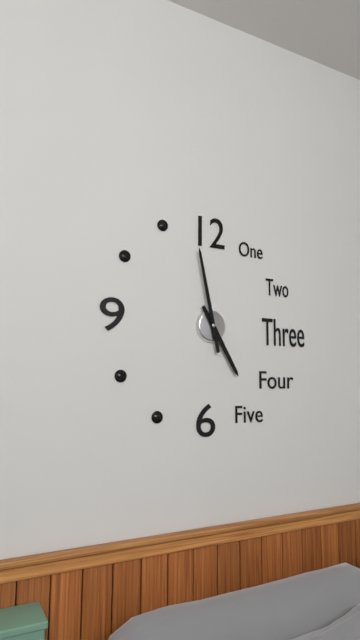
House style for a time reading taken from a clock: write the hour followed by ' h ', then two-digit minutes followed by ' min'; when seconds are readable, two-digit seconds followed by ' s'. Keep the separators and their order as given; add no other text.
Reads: 4 h 58 min
